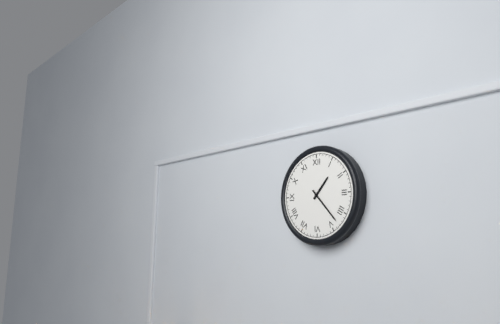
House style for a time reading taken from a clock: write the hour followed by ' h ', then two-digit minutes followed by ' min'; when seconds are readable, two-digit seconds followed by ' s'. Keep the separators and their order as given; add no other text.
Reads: 1 h 23 min
